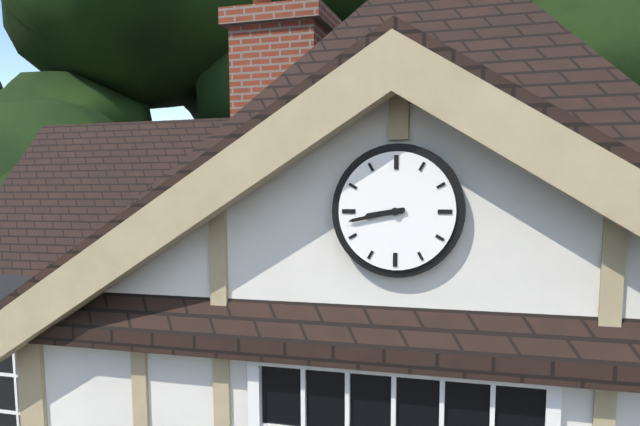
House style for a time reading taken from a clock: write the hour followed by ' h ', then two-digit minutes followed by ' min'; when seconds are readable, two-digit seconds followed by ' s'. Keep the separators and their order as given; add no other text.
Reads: 8 h 43 min
